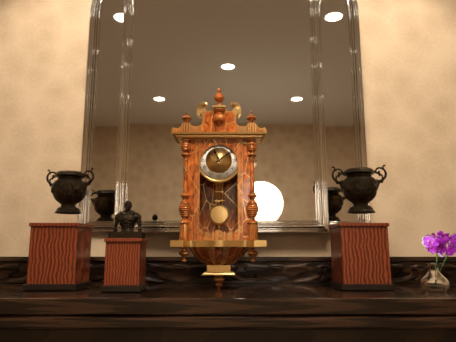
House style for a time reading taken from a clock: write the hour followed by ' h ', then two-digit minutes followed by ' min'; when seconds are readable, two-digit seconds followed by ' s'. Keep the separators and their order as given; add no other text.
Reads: 11 h 09 min
